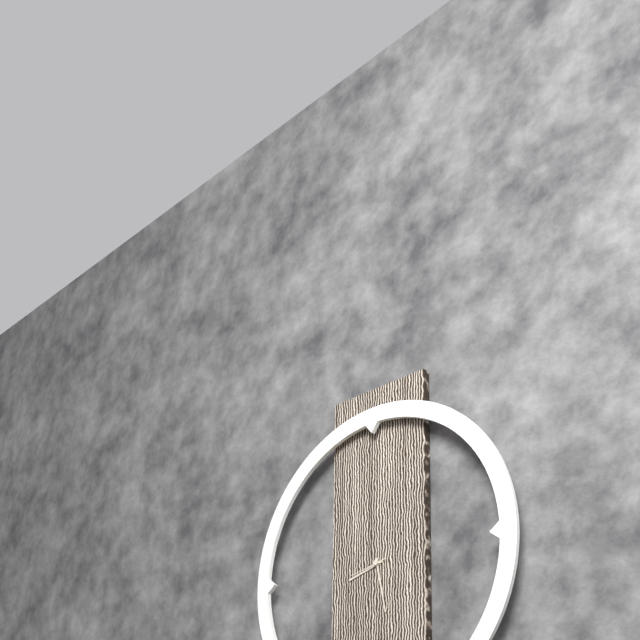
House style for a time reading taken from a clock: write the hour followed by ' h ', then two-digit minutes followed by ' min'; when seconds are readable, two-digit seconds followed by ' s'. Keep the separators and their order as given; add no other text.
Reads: 8 h 28 min
